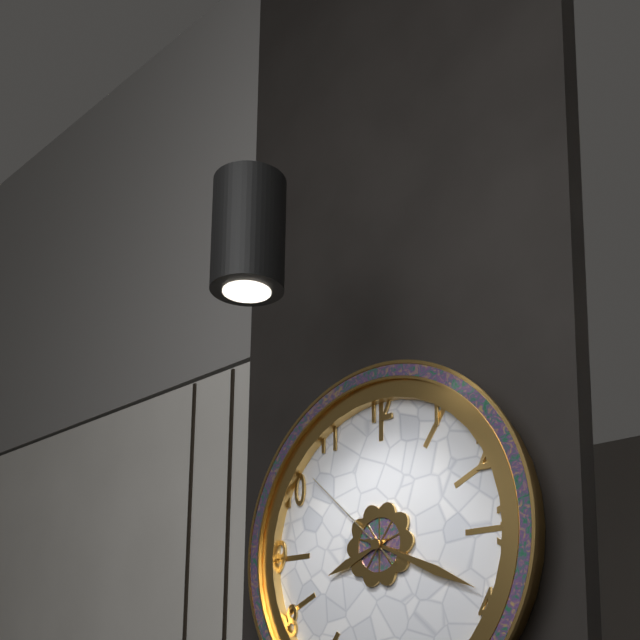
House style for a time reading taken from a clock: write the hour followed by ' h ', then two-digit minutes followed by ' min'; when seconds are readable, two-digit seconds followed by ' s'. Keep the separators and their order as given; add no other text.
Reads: 8 h 19 min 52 s
